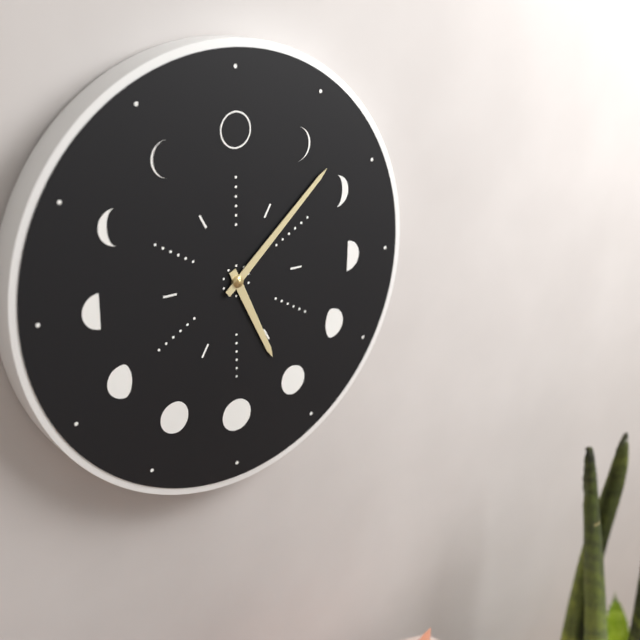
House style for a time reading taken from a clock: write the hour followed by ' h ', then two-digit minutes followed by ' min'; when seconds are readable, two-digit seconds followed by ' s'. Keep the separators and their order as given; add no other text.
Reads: 5 h 08 min
